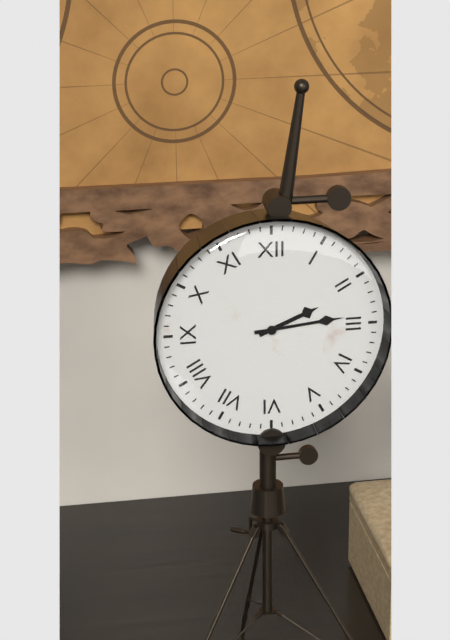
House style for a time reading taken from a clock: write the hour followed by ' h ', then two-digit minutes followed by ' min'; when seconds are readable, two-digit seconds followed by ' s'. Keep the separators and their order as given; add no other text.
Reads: 2 h 14 min
